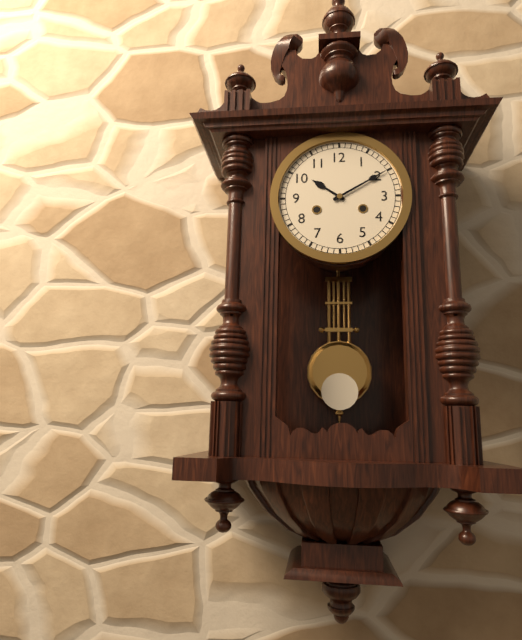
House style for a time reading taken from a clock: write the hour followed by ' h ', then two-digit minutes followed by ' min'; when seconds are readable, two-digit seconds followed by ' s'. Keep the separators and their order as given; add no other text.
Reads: 10 h 10 min
